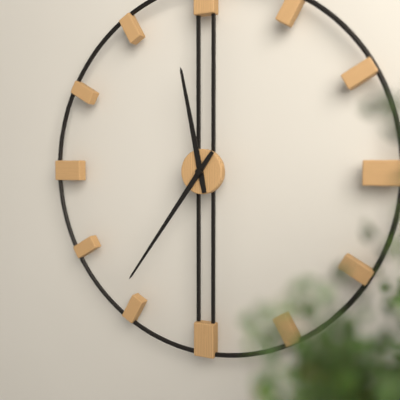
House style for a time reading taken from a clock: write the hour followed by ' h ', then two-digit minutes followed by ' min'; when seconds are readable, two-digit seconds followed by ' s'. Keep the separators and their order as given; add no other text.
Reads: 11 h 36 min
